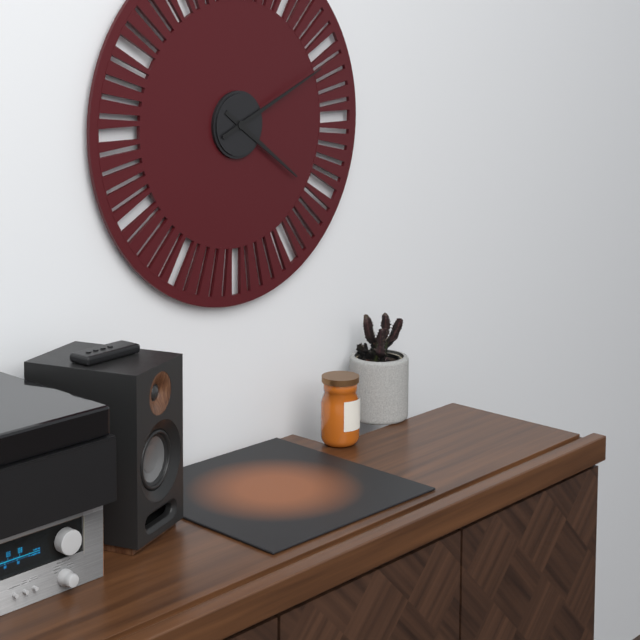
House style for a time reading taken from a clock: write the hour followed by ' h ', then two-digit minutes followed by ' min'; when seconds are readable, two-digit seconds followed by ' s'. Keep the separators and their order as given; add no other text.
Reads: 4 h 11 min
